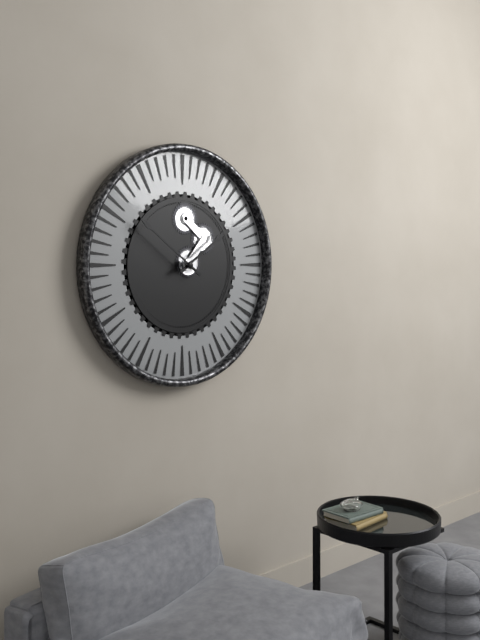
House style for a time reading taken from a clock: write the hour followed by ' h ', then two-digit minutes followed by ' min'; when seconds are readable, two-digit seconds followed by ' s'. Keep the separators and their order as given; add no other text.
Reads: 1 h 51 min
